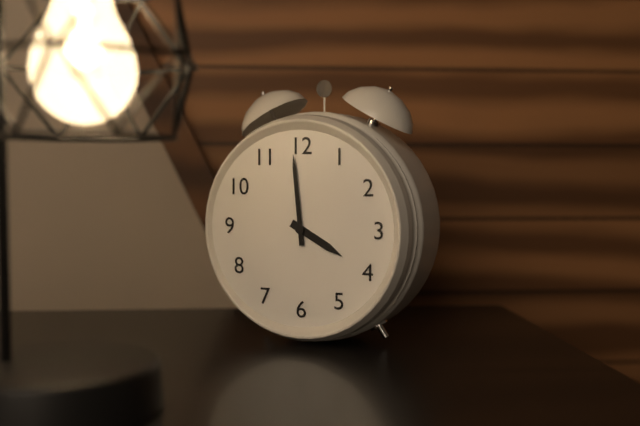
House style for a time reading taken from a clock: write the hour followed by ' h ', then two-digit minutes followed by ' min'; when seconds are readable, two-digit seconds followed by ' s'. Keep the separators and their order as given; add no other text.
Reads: 3 h 59 min
